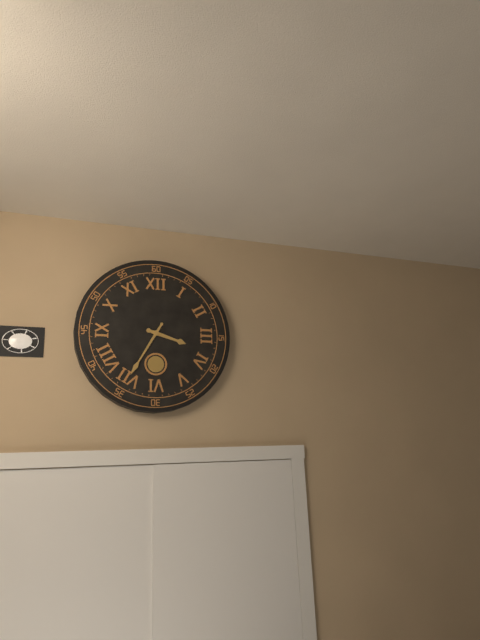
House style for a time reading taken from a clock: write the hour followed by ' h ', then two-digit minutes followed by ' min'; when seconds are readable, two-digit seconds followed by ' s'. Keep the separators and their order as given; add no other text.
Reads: 3 h 35 min
